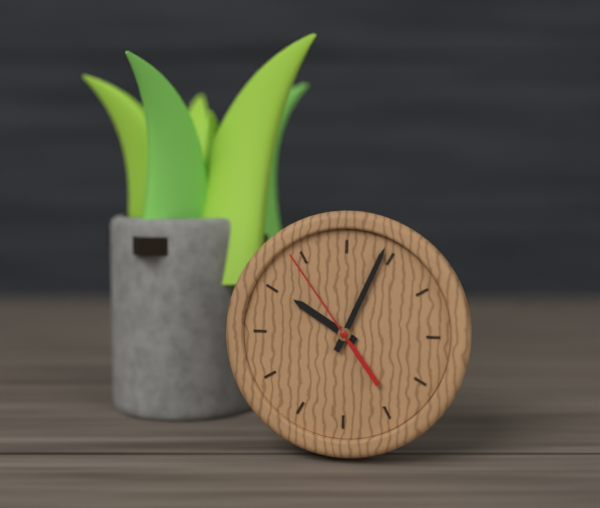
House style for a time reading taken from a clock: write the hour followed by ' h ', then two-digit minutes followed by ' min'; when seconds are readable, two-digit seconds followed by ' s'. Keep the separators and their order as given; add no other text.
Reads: 10 h 04 min 54 s
